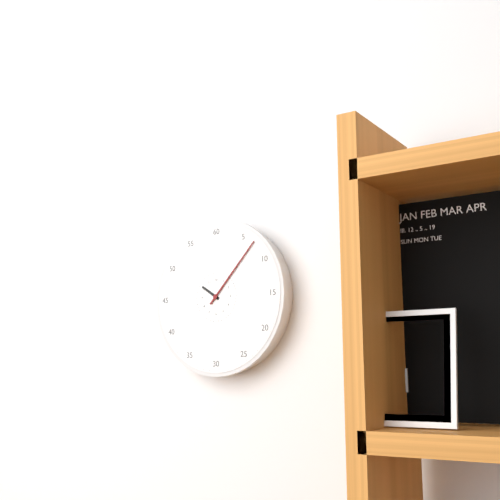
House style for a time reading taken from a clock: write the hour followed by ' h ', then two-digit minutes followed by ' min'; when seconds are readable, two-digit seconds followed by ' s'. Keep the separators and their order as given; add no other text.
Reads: 10 h 07 min
